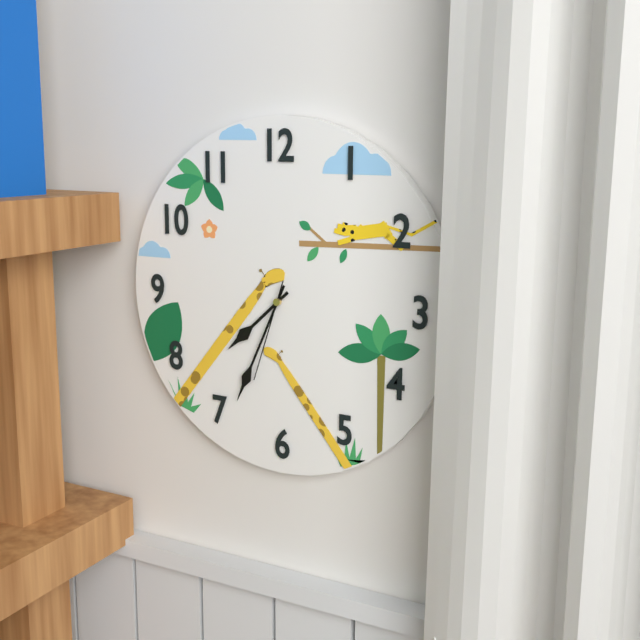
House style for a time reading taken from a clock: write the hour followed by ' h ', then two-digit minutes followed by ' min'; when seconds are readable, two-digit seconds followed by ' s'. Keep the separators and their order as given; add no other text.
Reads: 7 h 34 min 33 s
